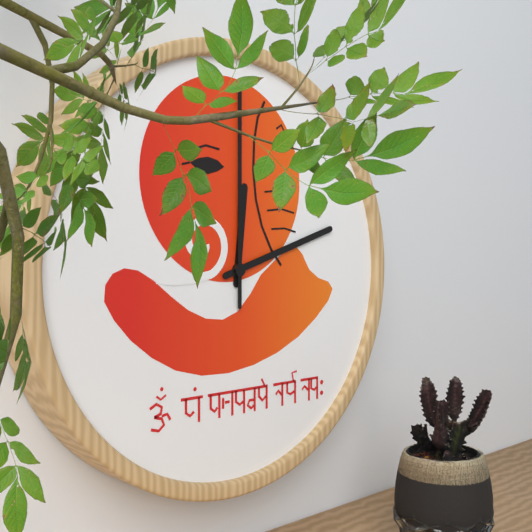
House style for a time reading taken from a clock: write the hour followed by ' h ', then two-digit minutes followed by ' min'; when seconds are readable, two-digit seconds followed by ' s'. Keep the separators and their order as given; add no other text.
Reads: 12 h 12 min 00 s
